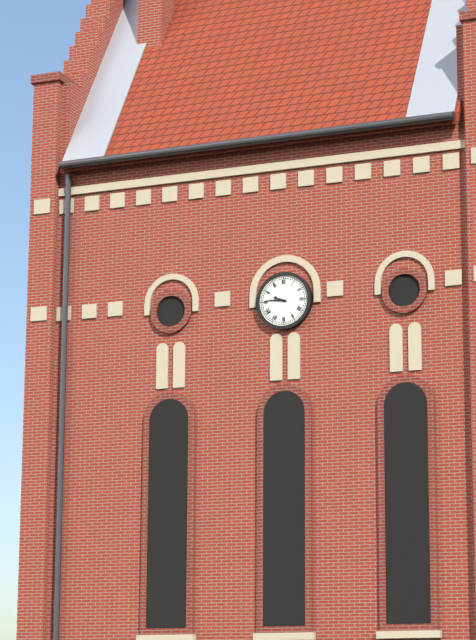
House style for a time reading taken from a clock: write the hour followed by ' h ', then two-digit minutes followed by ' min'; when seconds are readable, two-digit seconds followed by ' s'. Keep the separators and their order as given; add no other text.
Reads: 9 h 46 min
